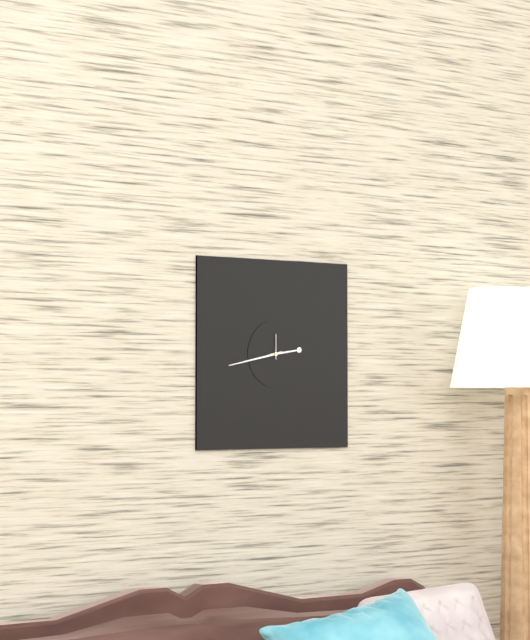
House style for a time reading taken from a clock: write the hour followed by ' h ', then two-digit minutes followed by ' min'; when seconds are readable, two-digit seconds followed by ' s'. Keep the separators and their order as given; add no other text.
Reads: 2 h 43 min
